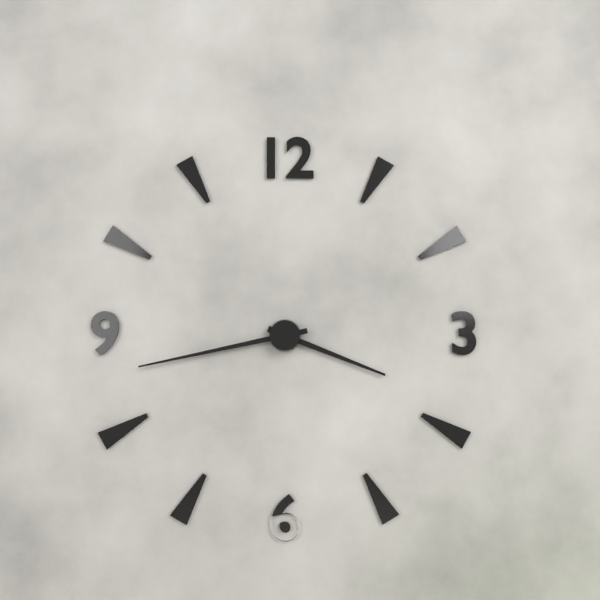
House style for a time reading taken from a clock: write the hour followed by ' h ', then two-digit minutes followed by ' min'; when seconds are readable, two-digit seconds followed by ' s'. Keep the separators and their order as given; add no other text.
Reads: 3 h 43 min
